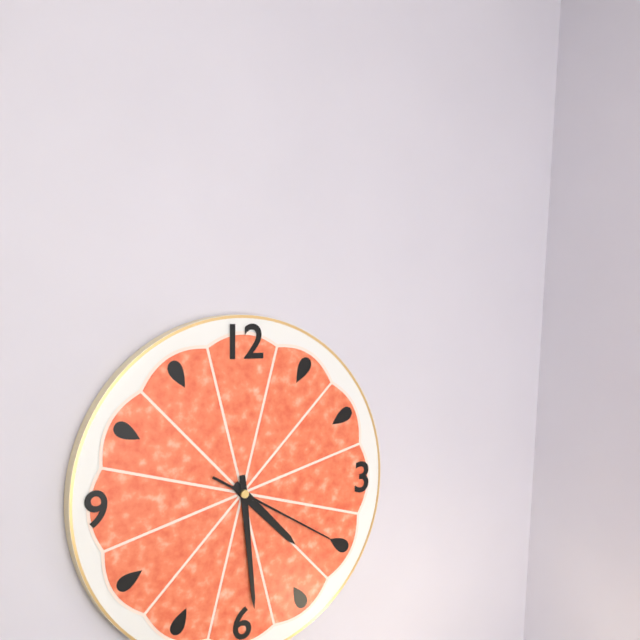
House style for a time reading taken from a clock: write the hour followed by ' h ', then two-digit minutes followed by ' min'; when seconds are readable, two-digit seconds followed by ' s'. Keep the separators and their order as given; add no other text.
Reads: 4 h 29 min 20 s
